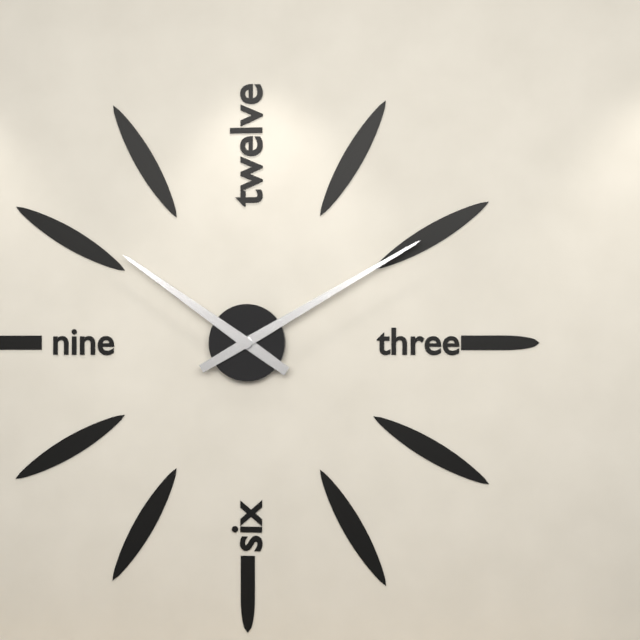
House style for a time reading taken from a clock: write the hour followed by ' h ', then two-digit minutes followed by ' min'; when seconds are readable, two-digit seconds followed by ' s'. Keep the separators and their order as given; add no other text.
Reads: 10 h 10 min
